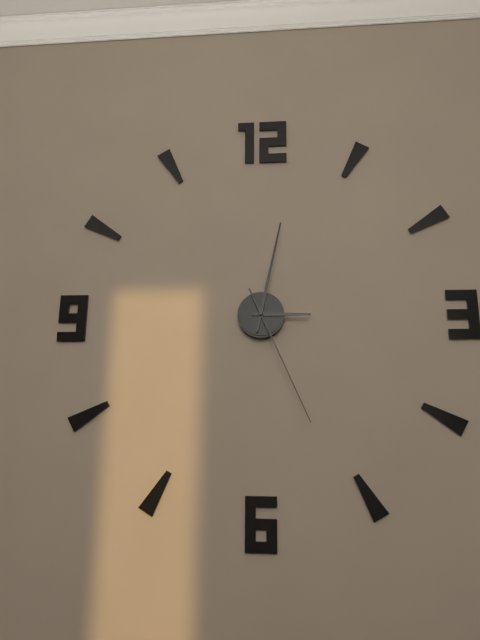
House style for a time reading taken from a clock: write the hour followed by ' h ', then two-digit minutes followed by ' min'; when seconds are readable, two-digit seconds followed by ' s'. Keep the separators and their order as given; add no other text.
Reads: 3 h 02 min 26 s
